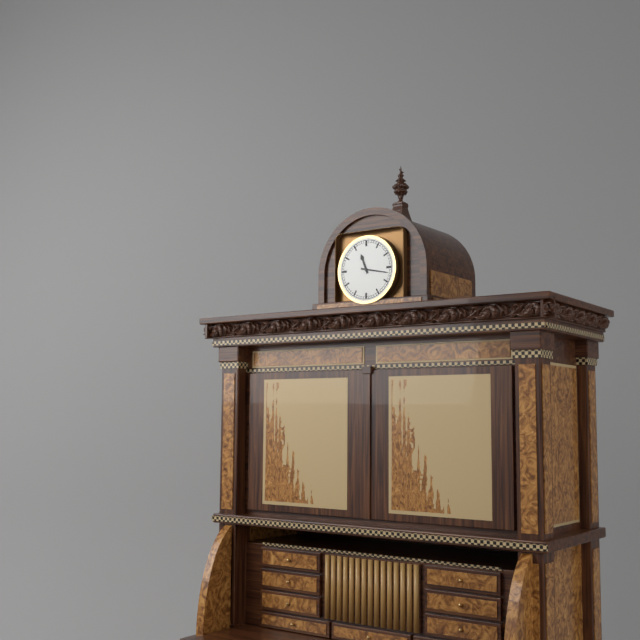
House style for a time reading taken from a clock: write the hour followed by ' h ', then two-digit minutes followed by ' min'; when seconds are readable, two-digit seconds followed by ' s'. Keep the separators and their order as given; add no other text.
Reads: 11 h 17 min
